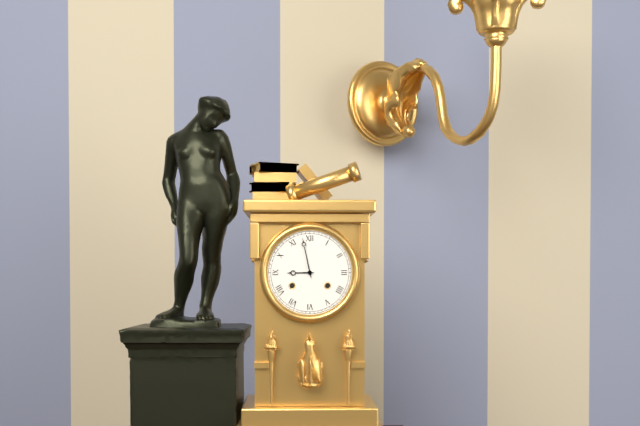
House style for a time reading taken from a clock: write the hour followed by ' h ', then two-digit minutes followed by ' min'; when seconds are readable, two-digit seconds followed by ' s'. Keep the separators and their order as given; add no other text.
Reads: 8 h 58 min
